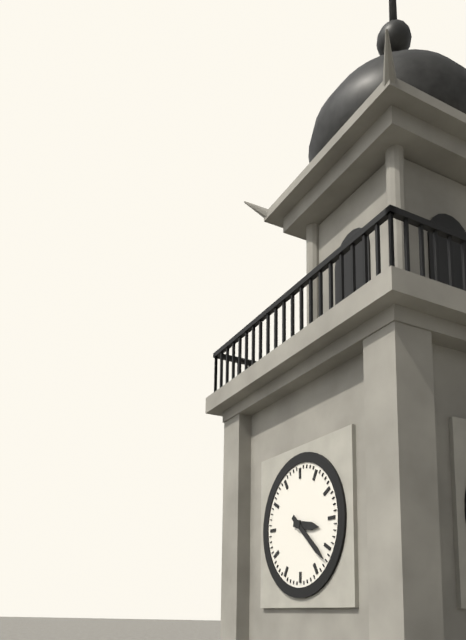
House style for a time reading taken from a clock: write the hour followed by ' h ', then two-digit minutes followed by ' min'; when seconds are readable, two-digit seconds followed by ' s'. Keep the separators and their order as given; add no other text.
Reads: 3 h 22 min
